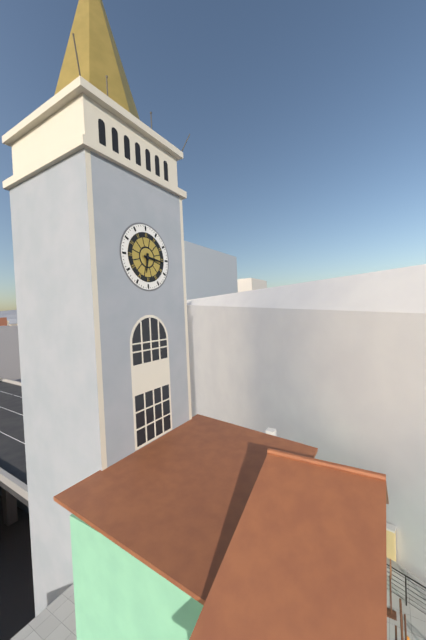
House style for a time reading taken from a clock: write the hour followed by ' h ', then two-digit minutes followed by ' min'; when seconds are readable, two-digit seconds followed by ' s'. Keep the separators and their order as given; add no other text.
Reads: 6 h 16 min
